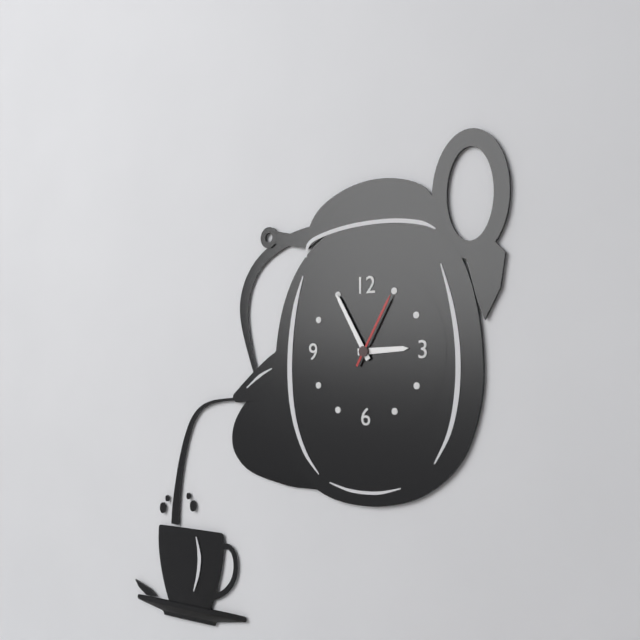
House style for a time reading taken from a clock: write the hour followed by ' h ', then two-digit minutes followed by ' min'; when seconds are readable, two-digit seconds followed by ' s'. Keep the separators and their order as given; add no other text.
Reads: 2 h 55 min 05 s
